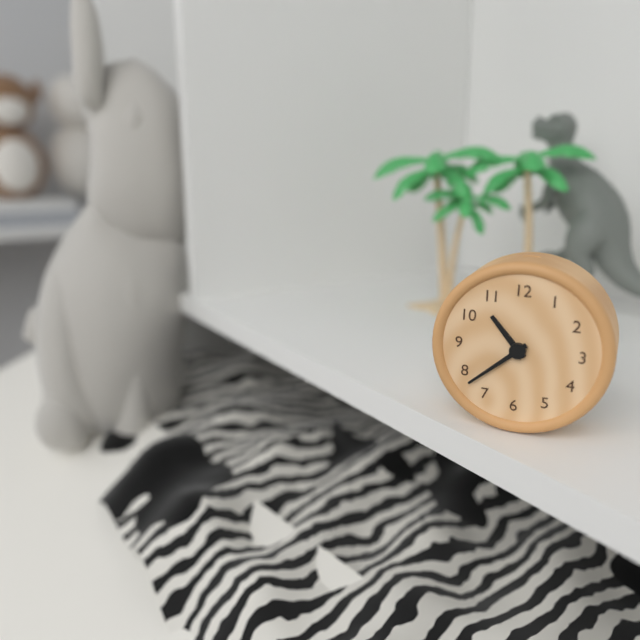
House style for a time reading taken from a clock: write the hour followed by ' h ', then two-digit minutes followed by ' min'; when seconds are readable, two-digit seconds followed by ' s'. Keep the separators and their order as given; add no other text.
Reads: 10 h 38 min
